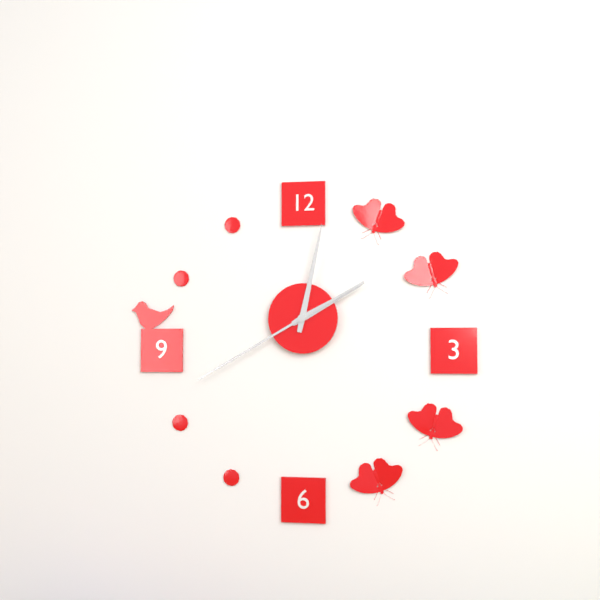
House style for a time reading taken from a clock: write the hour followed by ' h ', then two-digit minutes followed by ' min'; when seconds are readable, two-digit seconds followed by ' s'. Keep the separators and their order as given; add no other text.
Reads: 2 h 02 min 40 s
